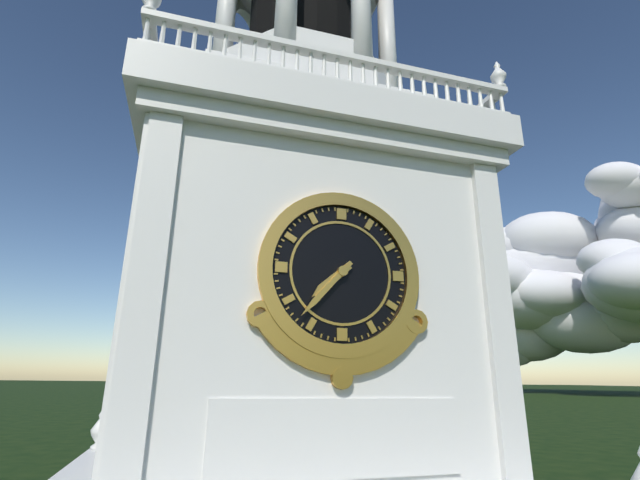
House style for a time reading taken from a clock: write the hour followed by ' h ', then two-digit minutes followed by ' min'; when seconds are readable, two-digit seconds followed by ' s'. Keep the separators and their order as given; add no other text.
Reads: 7 h 37 min
